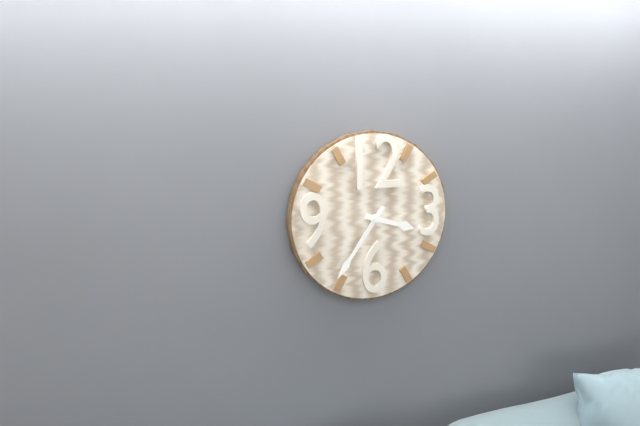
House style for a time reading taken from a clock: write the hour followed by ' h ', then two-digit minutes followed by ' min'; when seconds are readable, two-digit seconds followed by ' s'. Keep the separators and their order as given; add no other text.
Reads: 3 h 36 min
